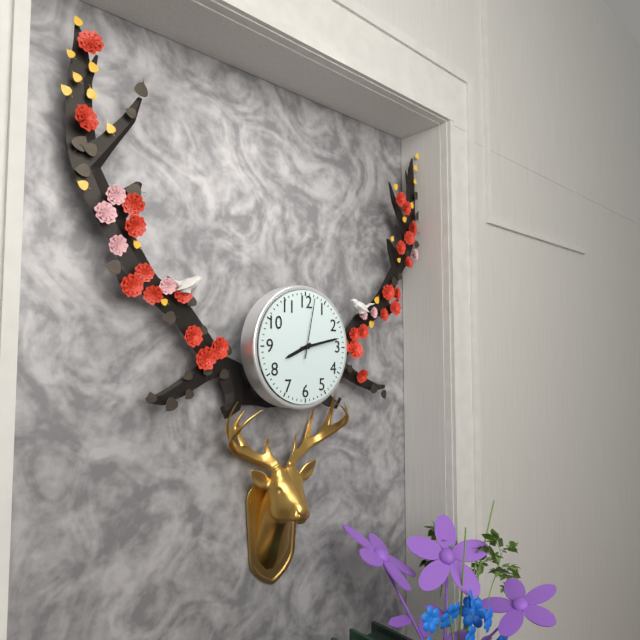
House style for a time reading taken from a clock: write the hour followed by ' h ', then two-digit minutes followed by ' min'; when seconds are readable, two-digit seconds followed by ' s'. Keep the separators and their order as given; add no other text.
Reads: 8 h 13 min 02 s
